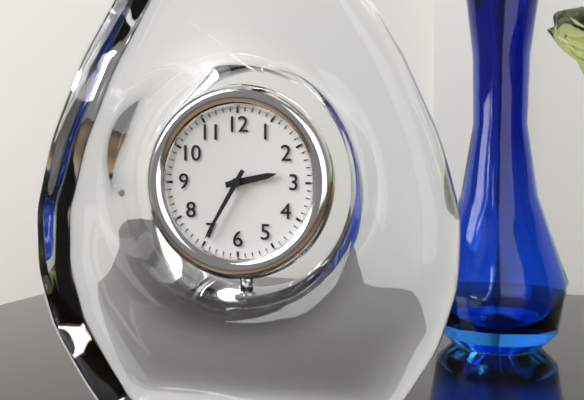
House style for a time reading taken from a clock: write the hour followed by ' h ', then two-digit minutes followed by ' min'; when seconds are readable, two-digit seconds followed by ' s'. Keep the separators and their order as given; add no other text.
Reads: 2 h 35 min
